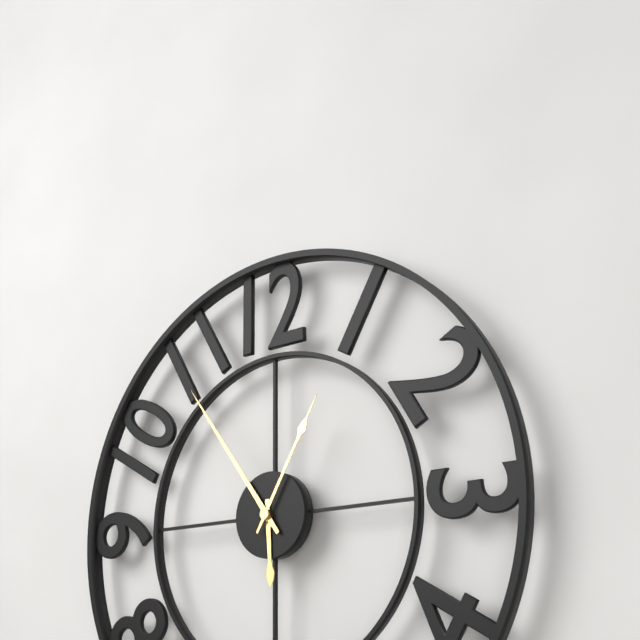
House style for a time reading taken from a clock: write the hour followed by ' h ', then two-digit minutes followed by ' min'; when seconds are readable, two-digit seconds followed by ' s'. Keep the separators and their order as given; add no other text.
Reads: 5 h 54 min 05 s
